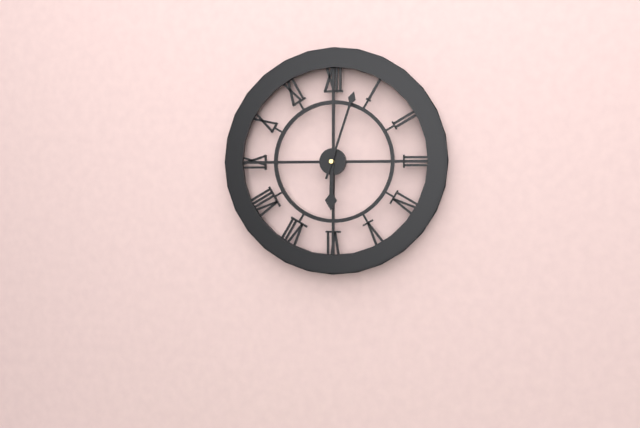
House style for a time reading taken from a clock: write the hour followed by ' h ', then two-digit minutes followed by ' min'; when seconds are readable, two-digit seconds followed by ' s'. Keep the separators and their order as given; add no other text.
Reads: 6 h 03 min
